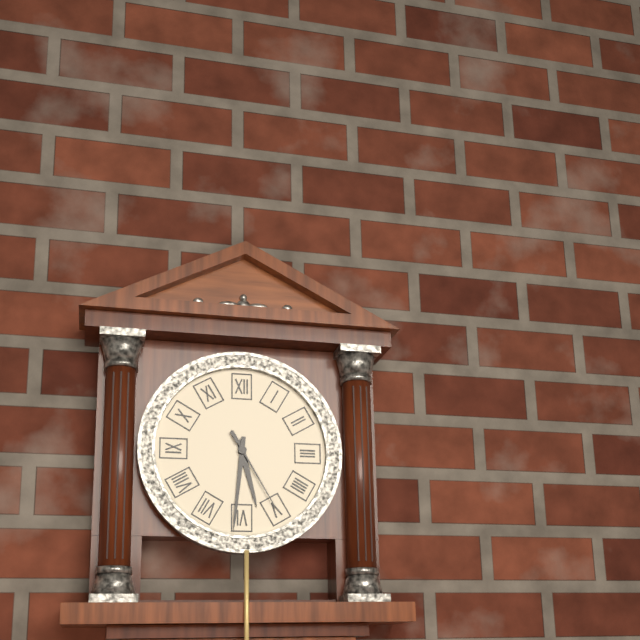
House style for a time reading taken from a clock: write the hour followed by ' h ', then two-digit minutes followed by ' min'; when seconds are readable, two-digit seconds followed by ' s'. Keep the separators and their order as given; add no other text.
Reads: 5 h 31 min 25 s
